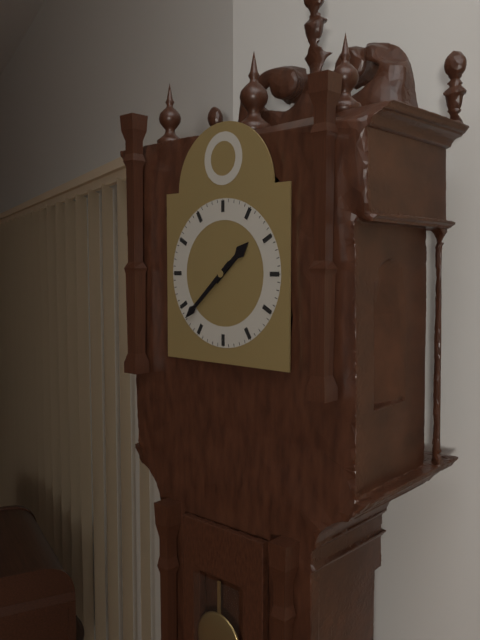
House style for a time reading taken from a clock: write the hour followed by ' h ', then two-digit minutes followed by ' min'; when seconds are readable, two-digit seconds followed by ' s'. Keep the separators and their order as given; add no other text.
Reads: 1 h 38 min
